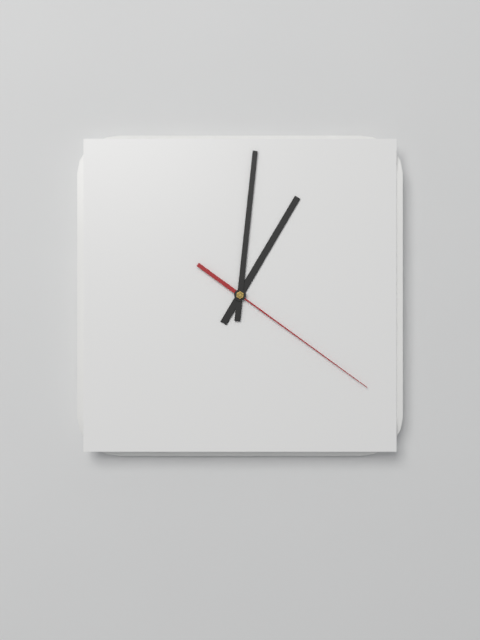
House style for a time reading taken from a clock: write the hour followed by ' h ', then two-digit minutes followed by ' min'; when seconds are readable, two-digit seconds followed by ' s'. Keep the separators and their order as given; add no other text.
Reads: 1 h 01 min 21 s
